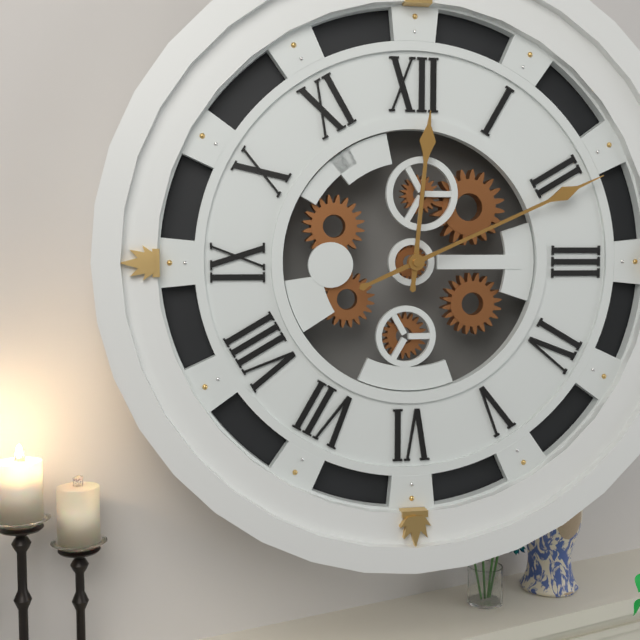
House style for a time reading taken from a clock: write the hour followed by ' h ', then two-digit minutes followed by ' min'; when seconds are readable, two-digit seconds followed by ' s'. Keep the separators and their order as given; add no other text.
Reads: 12 h 11 min
